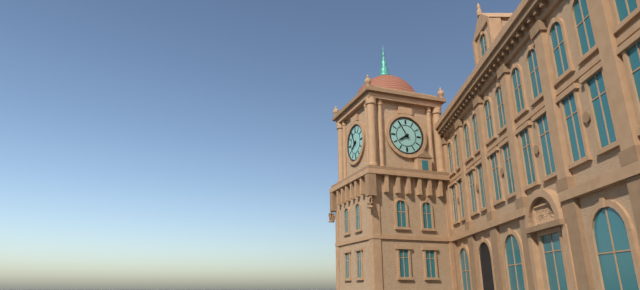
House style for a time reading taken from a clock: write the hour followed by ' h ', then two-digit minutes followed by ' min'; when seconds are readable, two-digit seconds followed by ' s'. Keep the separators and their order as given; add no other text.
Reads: 7 h 55 min
